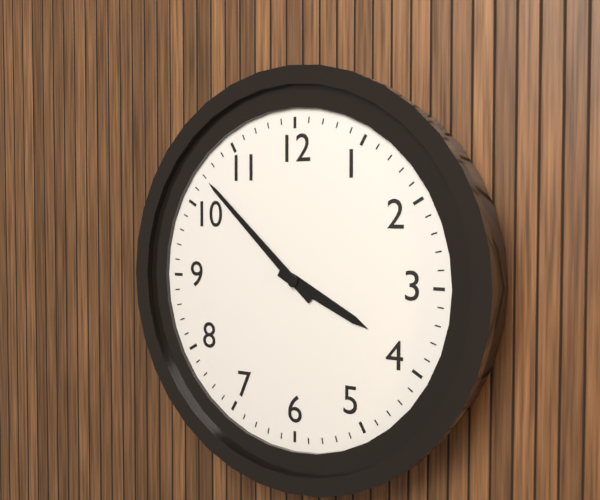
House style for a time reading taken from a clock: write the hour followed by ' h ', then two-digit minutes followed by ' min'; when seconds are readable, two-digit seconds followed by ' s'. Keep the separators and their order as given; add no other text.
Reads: 3 h 52 min
